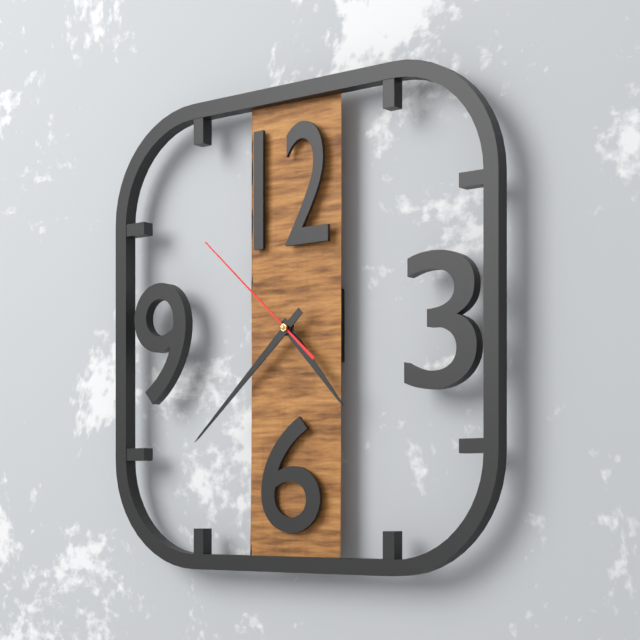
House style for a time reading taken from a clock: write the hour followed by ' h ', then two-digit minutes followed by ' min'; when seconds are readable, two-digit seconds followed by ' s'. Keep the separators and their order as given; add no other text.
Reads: 4 h 38 min 52 s
